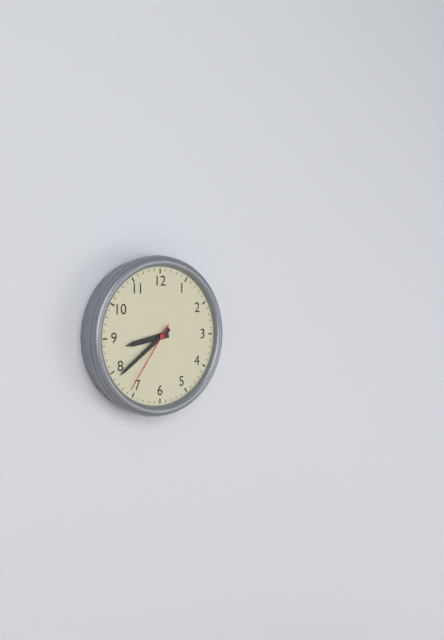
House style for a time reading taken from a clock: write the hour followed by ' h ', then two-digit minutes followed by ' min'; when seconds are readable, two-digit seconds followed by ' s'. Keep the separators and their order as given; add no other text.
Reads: 8 h 39 min 36 s
